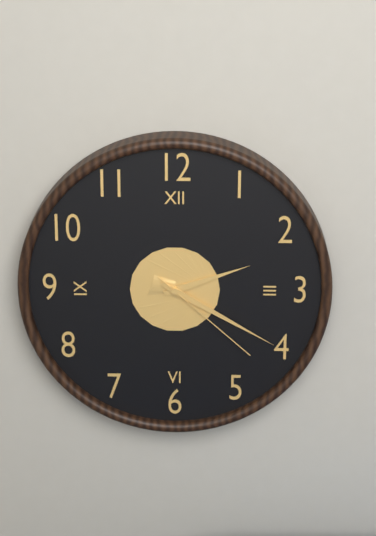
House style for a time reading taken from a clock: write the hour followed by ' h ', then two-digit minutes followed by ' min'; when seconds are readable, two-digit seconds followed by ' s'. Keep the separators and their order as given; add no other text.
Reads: 2 h 20 min 22 s
